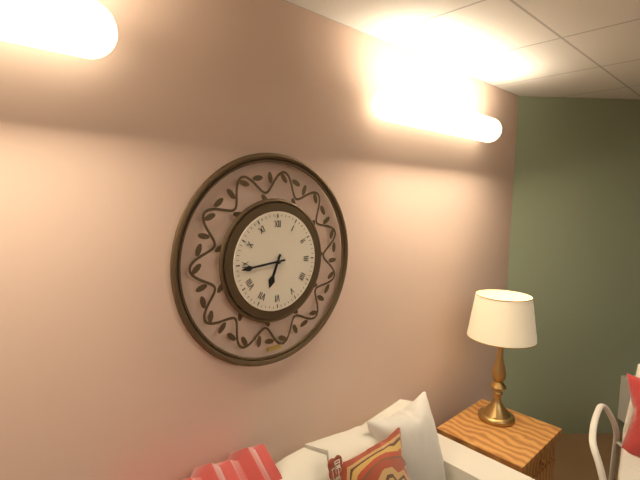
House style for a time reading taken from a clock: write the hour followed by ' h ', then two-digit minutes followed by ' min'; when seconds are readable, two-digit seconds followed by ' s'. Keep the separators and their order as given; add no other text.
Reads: 6 h 44 min
